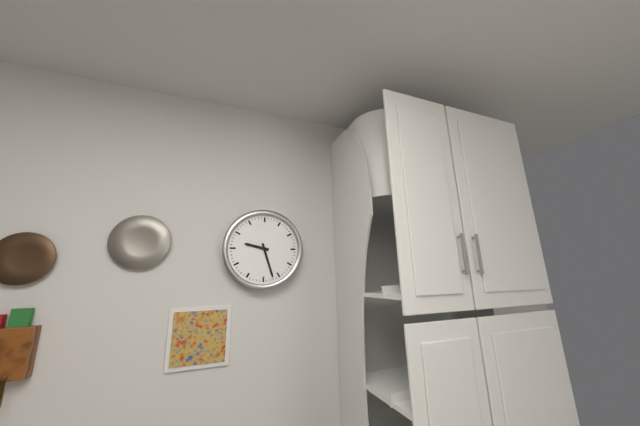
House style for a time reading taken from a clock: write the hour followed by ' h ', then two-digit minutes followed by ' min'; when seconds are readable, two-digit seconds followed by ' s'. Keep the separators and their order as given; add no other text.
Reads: 9 h 27 min
